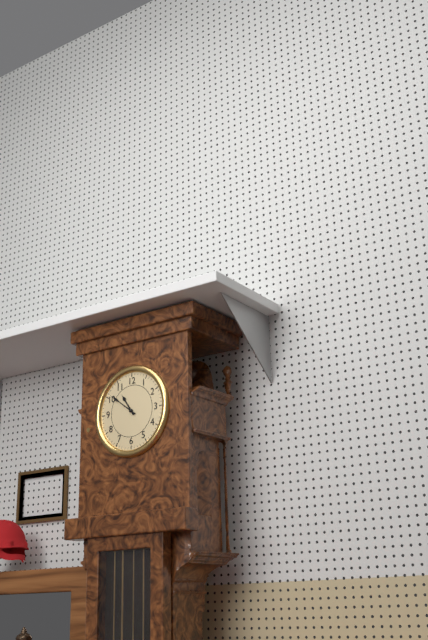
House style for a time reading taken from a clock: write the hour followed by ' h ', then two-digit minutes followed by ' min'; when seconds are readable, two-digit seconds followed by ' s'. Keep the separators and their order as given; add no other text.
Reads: 10 h 51 min
